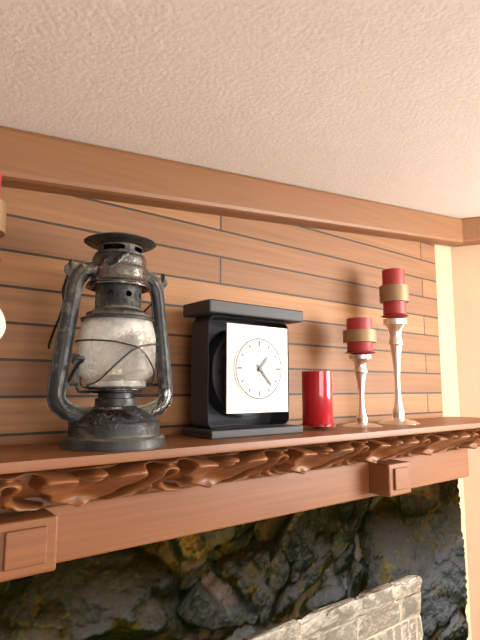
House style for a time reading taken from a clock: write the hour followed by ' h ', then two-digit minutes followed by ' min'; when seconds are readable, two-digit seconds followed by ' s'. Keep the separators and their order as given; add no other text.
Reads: 1 h 23 min
